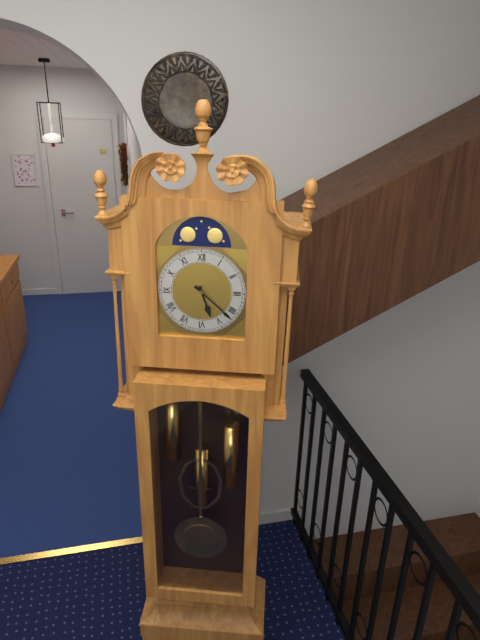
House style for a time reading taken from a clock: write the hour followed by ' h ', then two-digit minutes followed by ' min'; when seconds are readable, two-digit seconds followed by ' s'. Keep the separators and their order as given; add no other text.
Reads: 5 h 22 min
